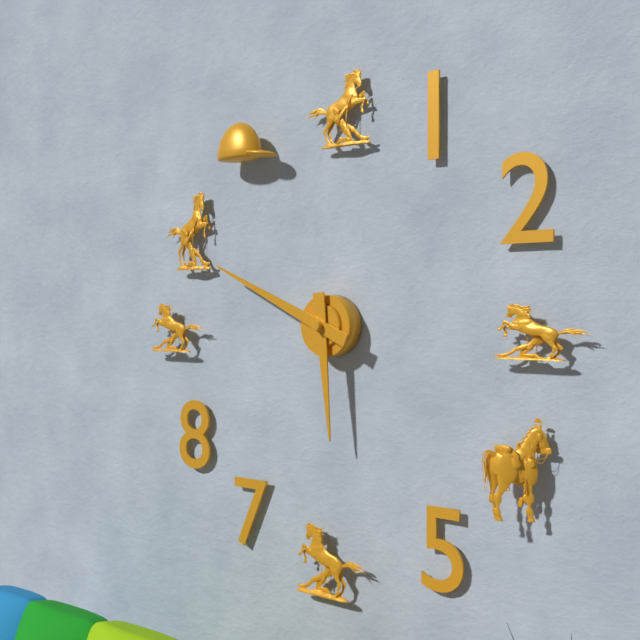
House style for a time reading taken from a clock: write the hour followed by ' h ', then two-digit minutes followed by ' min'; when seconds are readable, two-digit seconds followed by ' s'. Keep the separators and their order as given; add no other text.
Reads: 5 h 49 min
